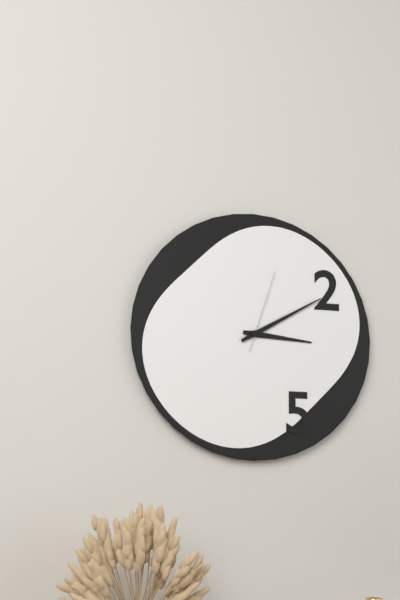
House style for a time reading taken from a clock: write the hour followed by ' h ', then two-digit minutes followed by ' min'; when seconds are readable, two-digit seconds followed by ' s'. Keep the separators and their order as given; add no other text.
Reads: 3 h 10 min 03 s
